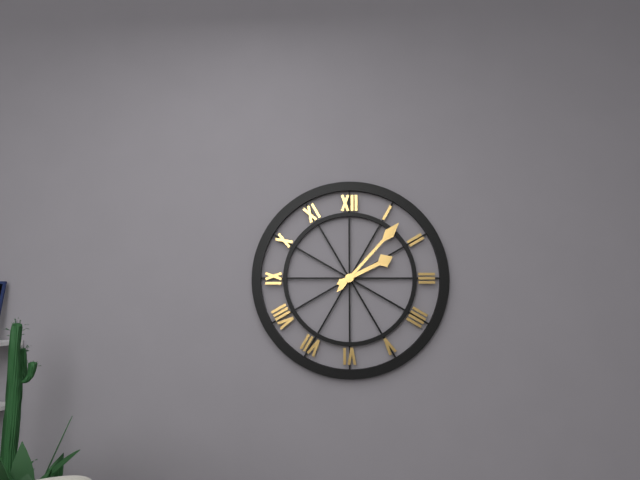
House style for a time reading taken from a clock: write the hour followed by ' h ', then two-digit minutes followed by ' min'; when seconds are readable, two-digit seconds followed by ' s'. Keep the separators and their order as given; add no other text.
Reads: 2 h 07 min
